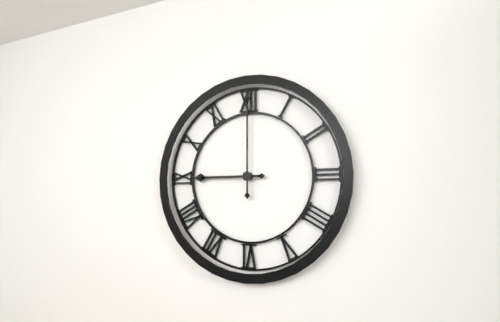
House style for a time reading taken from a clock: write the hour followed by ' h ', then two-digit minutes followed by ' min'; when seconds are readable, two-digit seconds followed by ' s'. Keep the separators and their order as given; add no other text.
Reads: 9 h 00 min
